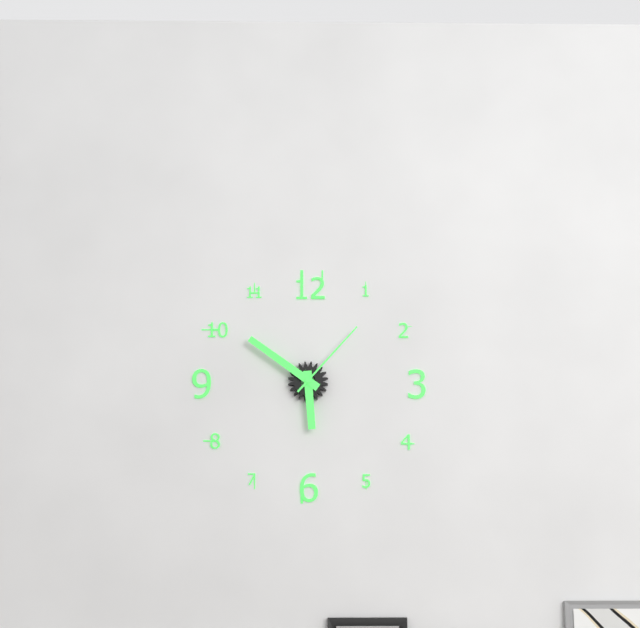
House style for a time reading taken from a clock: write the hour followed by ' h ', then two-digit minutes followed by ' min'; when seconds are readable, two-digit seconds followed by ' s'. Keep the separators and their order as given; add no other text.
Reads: 5 h 51 min 07 s
